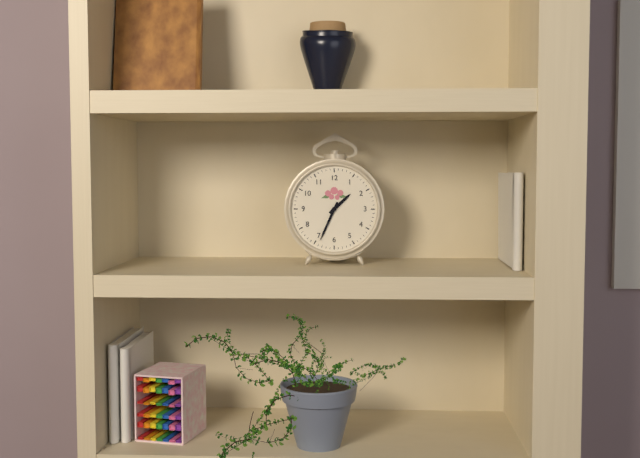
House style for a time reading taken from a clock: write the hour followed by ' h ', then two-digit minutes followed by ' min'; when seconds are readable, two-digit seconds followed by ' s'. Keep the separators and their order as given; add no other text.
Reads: 1 h 34 min
